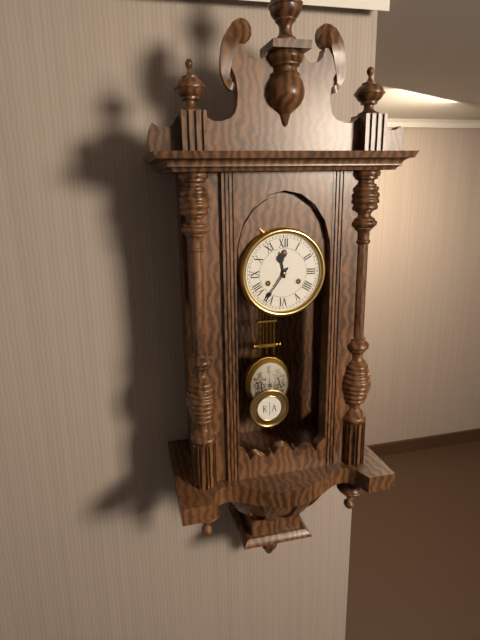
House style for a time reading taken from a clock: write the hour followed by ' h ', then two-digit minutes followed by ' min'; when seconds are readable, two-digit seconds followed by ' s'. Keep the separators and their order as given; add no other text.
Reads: 11 h 36 min
